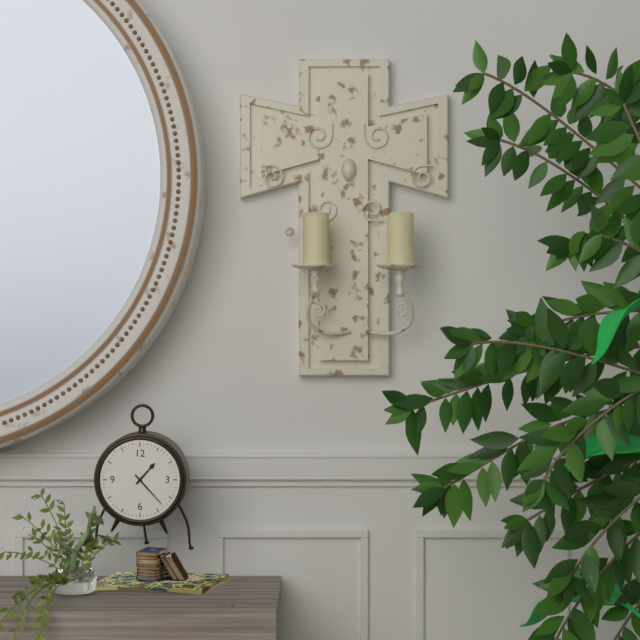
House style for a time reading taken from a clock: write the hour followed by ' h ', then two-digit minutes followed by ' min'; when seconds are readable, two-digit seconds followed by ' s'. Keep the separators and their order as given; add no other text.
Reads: 1 h 23 min
